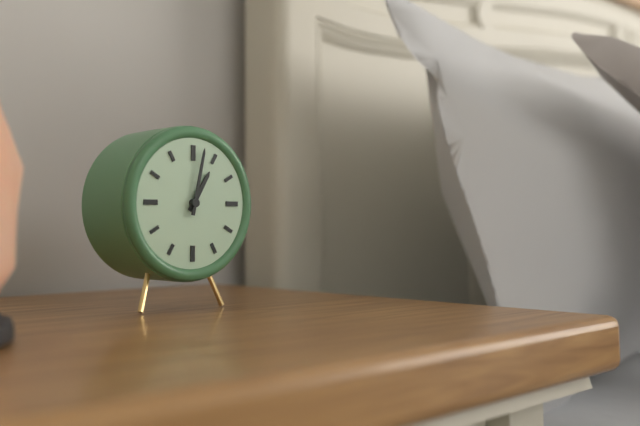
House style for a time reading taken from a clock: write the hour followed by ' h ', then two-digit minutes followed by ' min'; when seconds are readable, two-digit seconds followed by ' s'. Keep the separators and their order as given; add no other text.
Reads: 1 h 02 min
